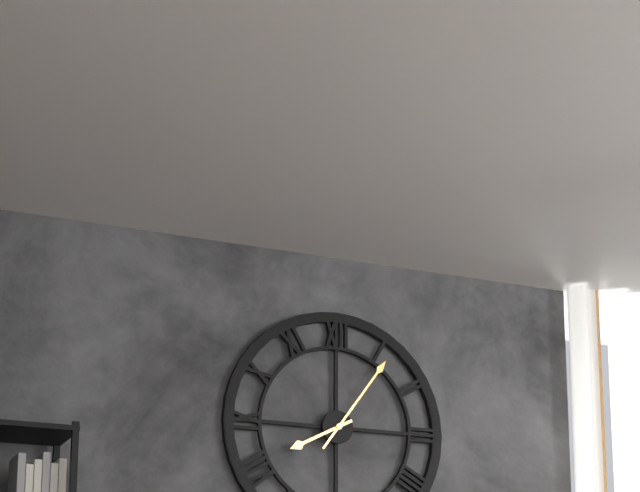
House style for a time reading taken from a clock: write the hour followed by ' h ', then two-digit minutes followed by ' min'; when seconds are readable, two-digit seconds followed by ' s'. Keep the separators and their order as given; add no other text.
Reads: 8 h 06 min
